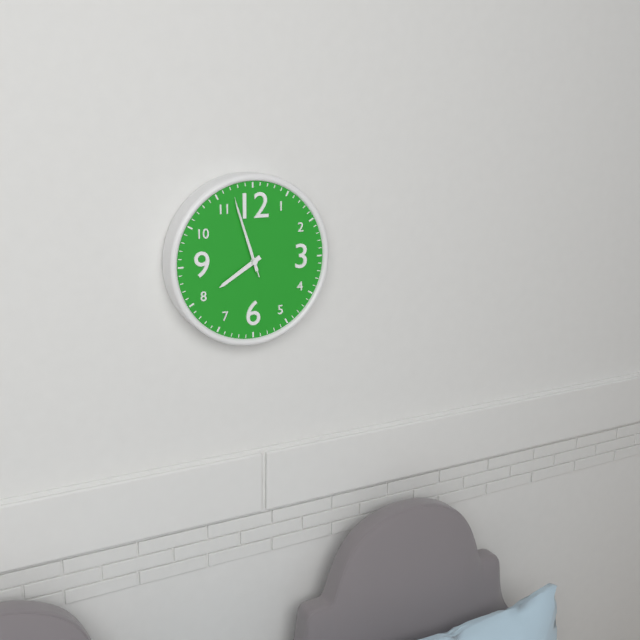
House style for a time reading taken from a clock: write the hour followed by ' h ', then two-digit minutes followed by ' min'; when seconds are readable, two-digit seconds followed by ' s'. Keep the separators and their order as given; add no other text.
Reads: 7 h 57 min 57 s
